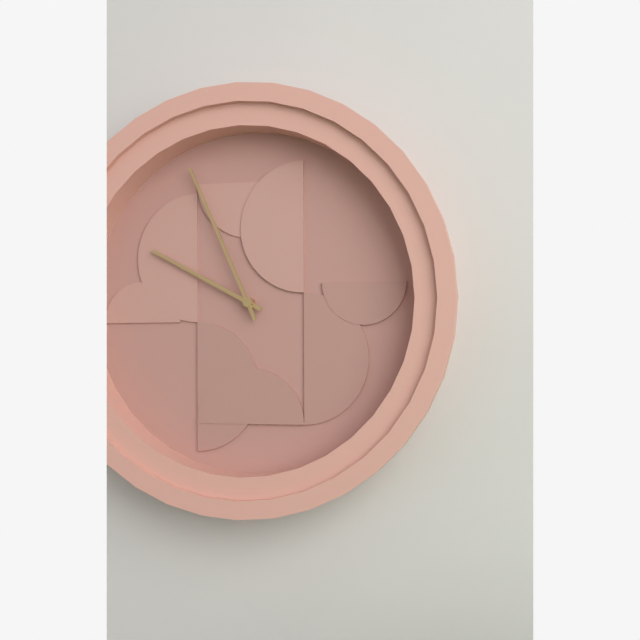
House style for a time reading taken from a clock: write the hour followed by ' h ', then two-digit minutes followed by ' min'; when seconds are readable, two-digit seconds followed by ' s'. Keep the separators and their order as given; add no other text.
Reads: 9 h 56 min
